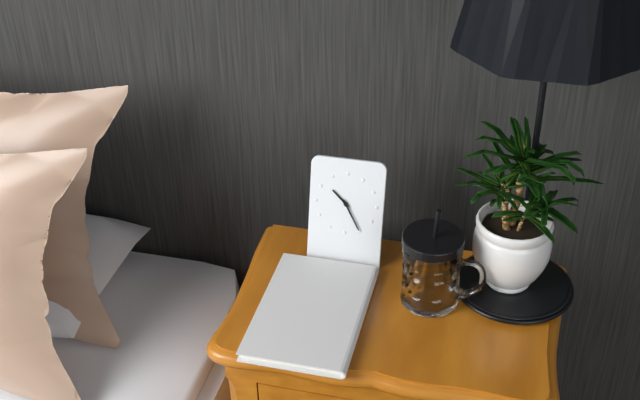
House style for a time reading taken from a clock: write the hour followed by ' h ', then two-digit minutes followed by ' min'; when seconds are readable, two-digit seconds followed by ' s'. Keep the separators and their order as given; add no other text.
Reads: 10 h 25 min
